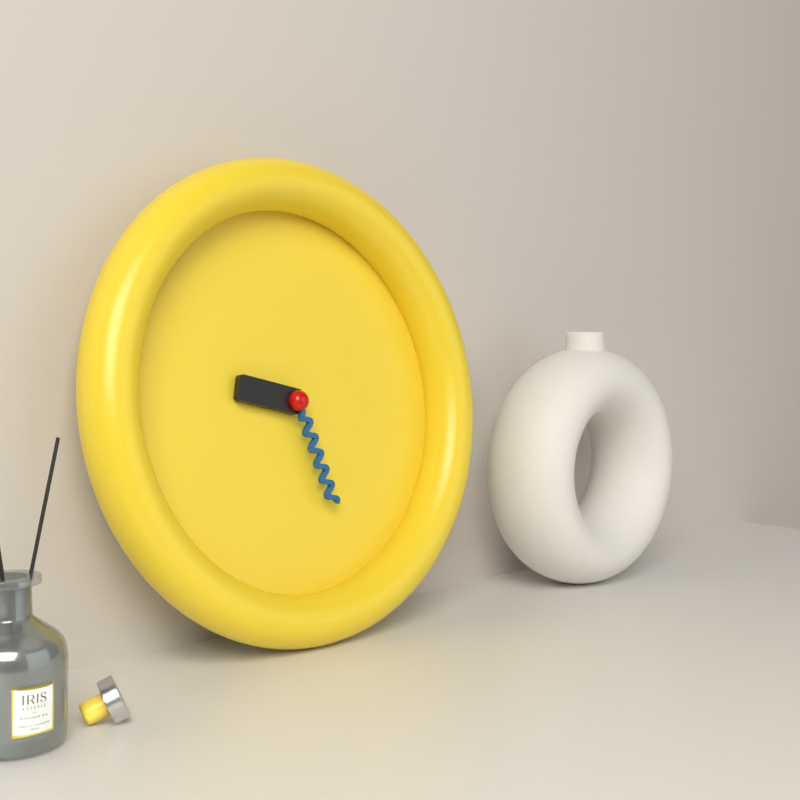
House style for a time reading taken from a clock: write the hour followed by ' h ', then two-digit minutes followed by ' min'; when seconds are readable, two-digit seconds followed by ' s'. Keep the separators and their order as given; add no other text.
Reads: 9 h 27 min
